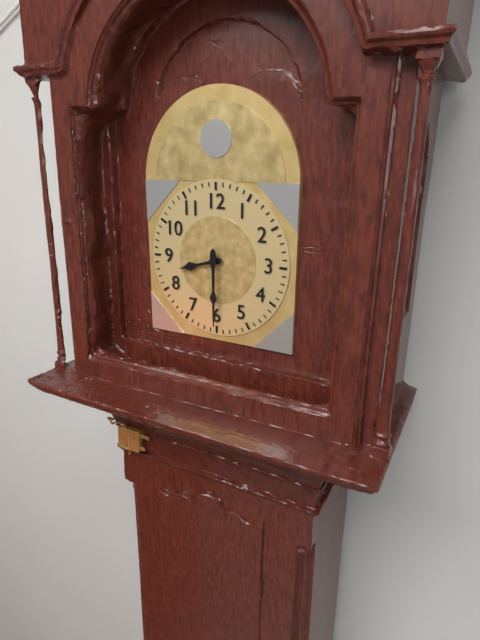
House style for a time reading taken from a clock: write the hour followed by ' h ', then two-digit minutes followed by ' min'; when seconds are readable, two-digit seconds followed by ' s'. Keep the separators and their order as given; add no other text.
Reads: 8 h 30 min
